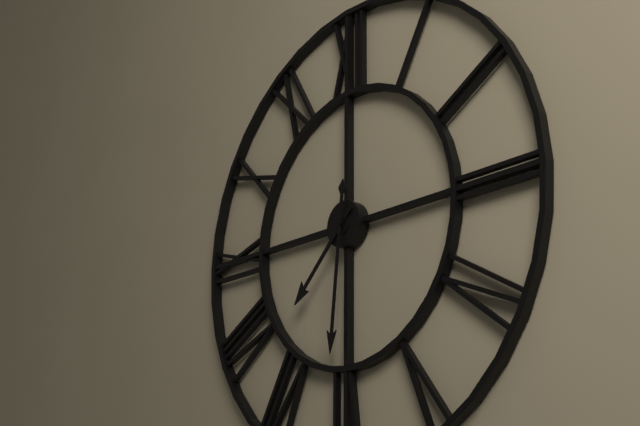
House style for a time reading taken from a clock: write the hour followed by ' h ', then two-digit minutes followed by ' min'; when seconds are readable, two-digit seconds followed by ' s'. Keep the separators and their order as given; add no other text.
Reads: 7 h 31 min
